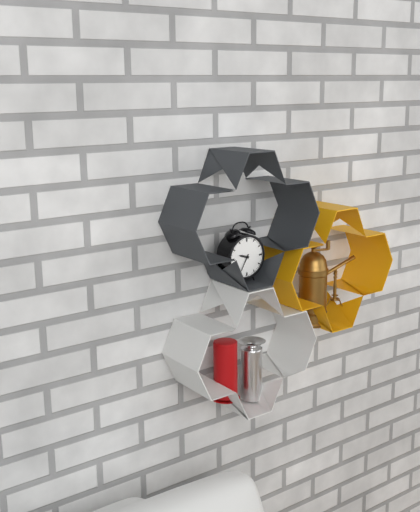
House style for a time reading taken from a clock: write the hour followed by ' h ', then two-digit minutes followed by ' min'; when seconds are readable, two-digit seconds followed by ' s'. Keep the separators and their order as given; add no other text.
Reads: 9 h 35 min
